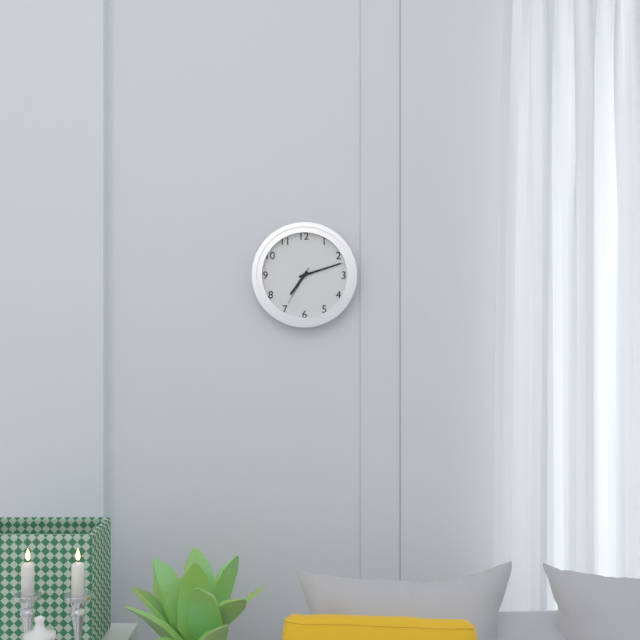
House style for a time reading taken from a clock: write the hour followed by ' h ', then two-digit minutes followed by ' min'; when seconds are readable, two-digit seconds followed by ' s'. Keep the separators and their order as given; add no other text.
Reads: 7 h 12 min
